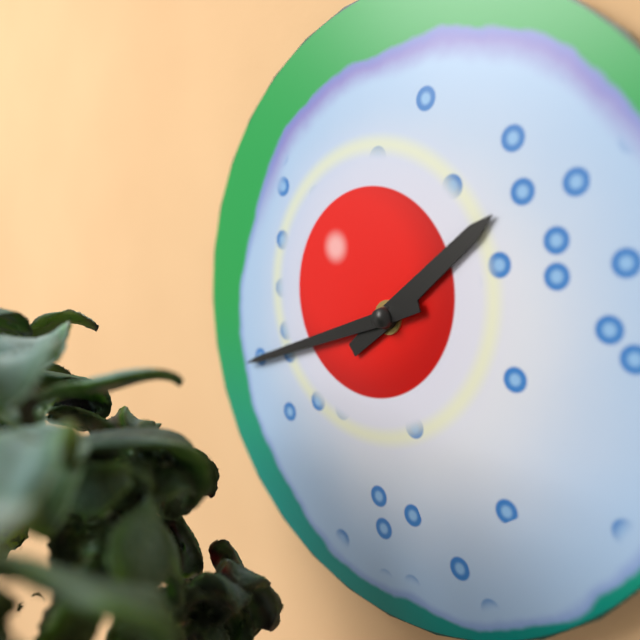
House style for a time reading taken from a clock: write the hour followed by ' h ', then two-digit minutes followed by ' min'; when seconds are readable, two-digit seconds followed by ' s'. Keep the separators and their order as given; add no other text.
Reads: 1 h 42 min
